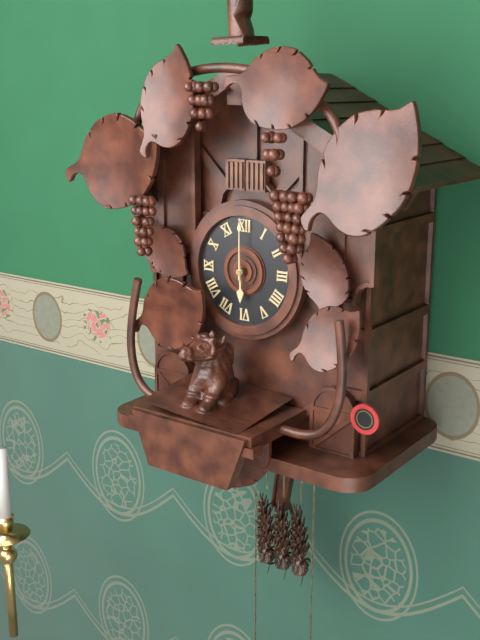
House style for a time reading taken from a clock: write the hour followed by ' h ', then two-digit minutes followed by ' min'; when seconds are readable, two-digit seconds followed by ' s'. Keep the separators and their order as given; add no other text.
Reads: 6 h 00 min
